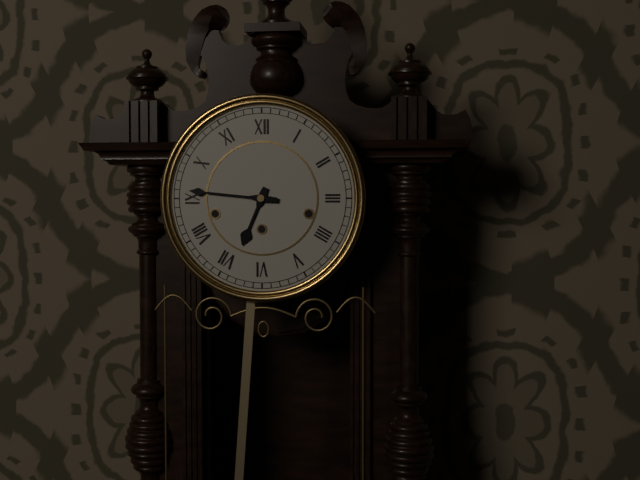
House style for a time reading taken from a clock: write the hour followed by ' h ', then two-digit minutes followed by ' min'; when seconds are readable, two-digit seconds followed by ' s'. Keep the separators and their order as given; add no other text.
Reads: 6 h 46 min
